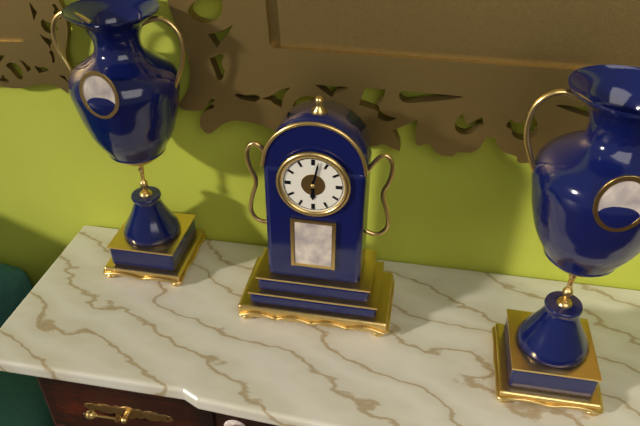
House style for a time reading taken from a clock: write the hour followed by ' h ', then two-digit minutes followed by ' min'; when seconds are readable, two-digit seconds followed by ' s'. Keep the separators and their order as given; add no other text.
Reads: 6 h 02 min
